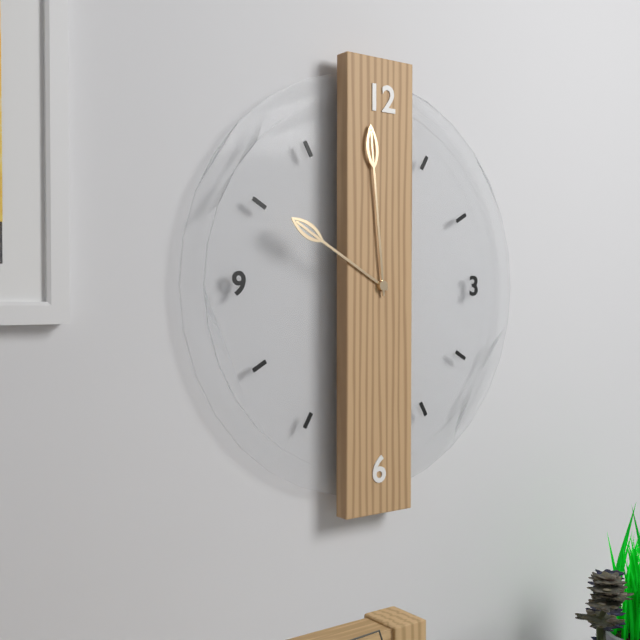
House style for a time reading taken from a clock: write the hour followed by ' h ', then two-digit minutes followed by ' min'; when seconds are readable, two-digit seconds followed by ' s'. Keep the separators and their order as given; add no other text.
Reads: 9 h 59 min
